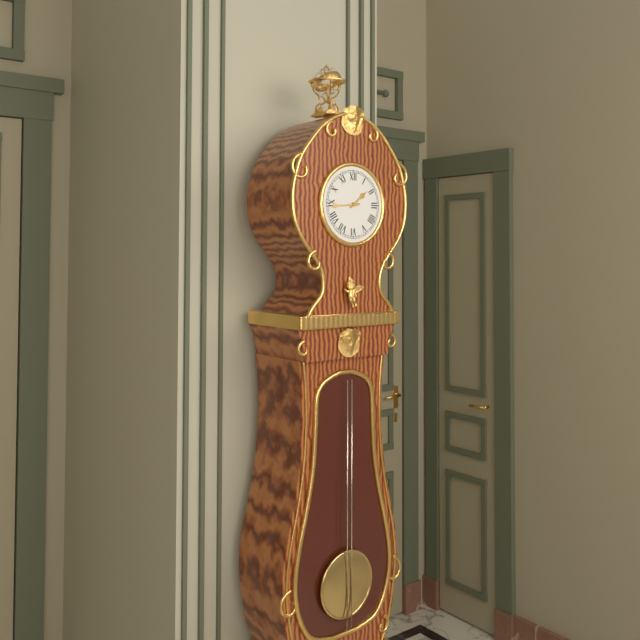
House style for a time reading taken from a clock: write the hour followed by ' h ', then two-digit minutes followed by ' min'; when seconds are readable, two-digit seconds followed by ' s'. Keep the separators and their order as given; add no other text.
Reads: 1 h 44 min
